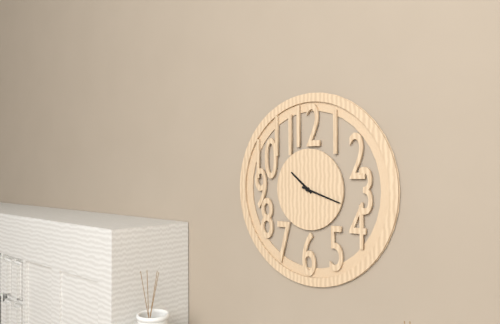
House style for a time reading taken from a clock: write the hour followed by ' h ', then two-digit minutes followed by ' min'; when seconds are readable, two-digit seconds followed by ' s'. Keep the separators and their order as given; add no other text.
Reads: 10 h 18 min
